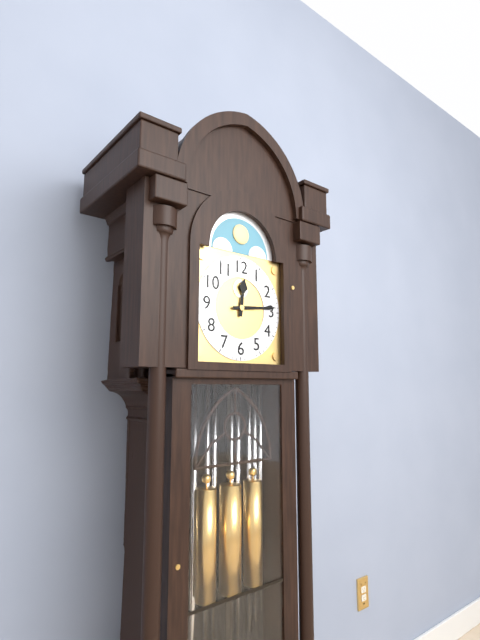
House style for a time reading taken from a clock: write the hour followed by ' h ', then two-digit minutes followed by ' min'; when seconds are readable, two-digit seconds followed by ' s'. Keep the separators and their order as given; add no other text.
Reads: 12 h 14 min
